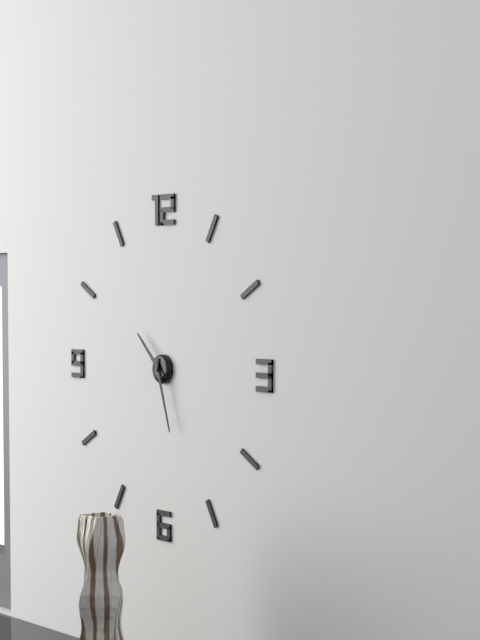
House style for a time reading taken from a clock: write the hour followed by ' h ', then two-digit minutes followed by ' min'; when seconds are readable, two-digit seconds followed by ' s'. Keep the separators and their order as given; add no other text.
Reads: 10 h 27 min
